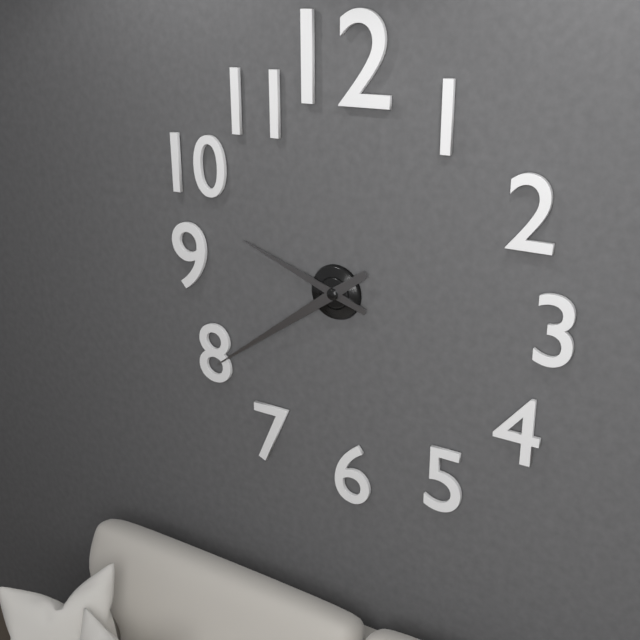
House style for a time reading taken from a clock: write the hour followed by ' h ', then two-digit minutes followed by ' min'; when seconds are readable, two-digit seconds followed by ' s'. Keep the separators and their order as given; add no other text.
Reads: 9 h 39 min
